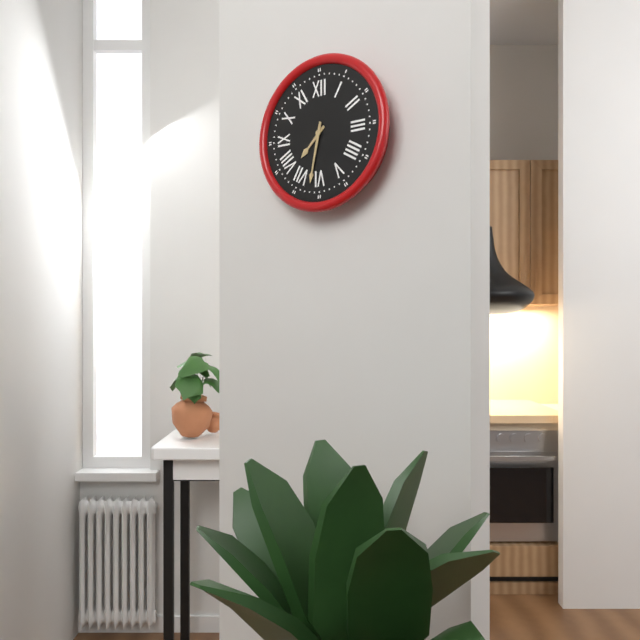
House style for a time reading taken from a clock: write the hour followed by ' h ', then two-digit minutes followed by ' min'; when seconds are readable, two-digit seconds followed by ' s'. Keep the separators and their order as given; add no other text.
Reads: 7 h 32 min
